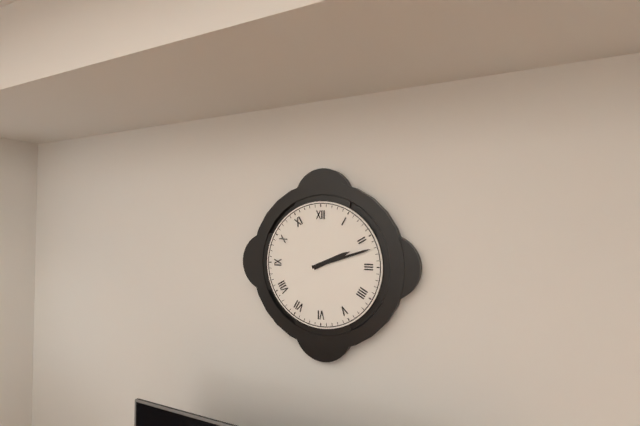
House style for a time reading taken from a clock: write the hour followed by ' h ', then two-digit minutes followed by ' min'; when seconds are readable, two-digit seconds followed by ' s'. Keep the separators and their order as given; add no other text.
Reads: 2 h 12 min
